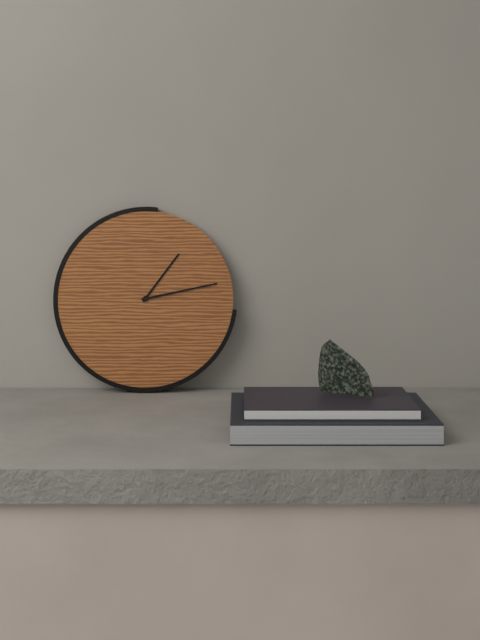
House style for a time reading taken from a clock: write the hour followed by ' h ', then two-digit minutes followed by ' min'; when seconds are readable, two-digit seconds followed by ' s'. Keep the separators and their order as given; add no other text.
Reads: 1 h 13 min
